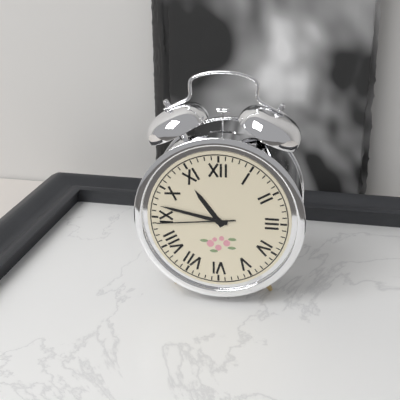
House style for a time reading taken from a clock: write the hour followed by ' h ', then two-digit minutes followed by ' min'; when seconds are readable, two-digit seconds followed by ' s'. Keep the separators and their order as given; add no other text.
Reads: 10 h 47 min 44 s
